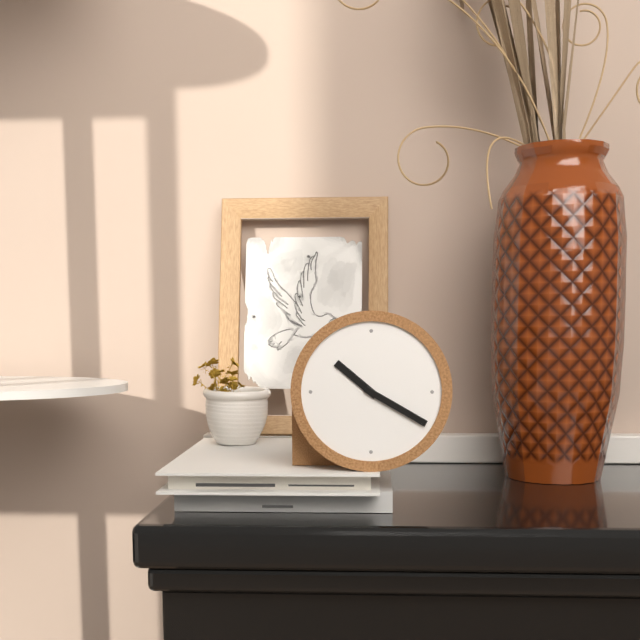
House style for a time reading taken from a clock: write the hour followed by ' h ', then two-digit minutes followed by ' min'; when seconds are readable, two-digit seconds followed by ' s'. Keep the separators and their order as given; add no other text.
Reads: 10 h 20 min
